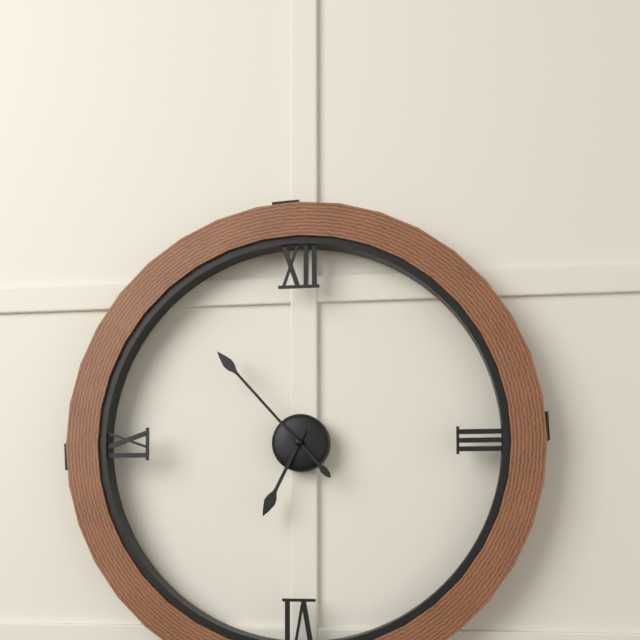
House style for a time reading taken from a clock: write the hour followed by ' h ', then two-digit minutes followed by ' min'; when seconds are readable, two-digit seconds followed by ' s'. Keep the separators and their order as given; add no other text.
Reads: 6 h 53 min
